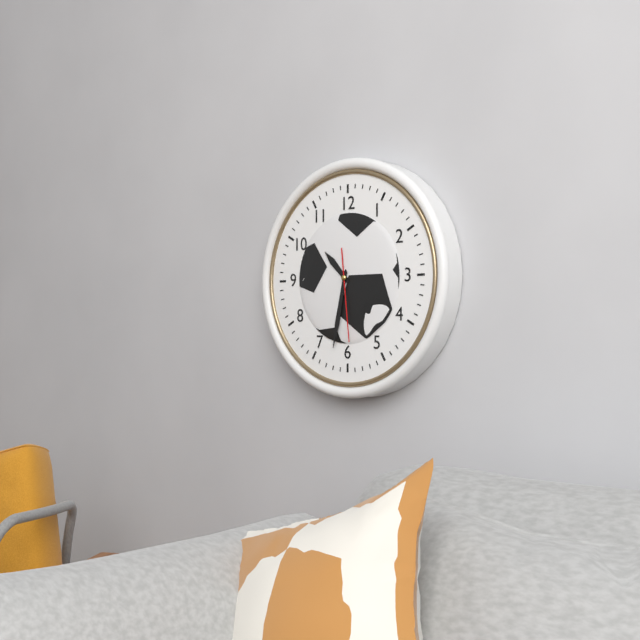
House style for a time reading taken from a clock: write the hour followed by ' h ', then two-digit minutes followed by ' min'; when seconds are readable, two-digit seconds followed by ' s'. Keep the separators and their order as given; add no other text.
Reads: 10 h 32 min 29 s
